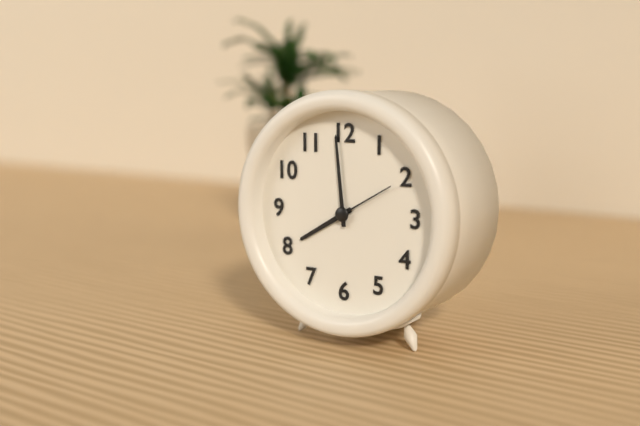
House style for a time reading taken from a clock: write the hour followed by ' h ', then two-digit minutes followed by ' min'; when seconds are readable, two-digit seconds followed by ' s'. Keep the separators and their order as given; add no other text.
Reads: 7 h 59 min 10 s
